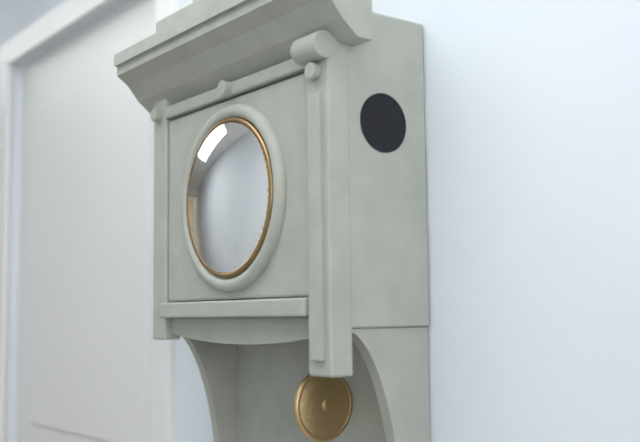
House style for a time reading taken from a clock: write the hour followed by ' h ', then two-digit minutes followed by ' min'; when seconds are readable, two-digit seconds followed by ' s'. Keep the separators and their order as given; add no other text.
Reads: 12 h 47 min
